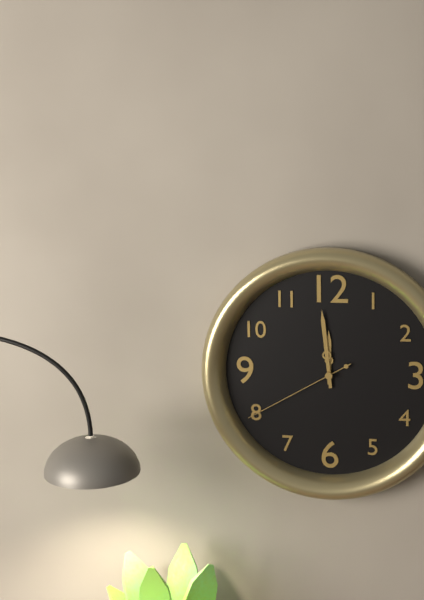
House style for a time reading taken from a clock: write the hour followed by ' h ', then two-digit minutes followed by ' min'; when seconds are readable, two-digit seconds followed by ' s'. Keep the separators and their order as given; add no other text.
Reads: 11 h 59 min 40 s
